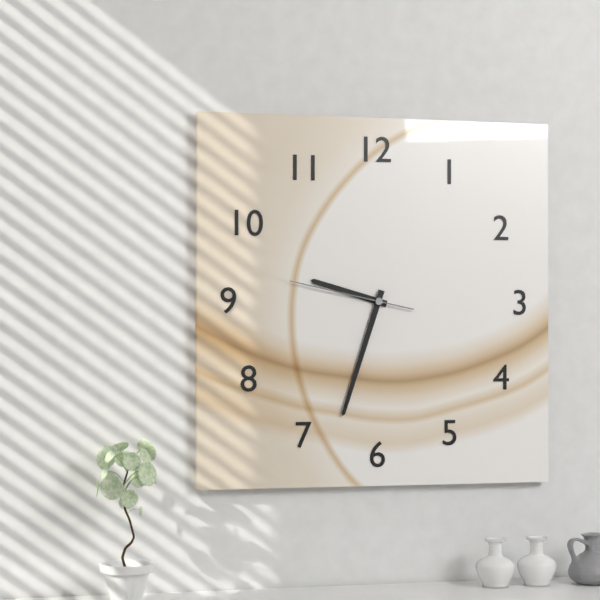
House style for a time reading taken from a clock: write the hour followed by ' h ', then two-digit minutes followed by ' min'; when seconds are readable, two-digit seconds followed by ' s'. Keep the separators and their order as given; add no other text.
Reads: 9 h 33 min 47 s
